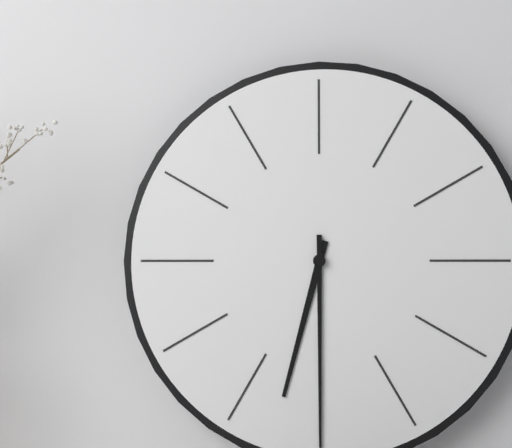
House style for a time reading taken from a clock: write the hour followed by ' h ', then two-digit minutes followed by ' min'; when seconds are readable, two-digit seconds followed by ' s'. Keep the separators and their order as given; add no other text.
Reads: 6 h 30 min
